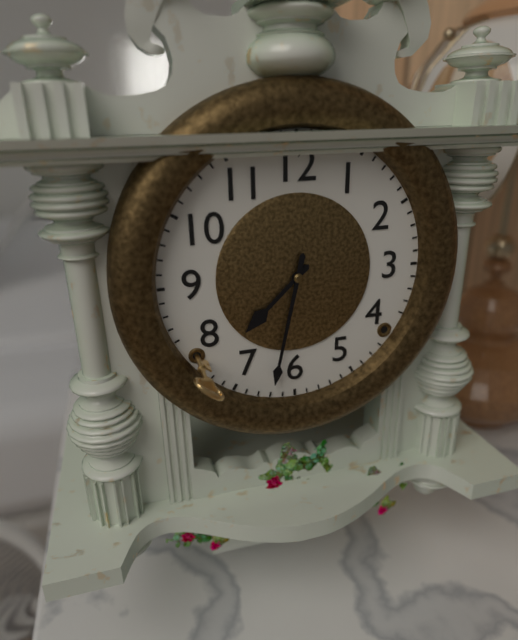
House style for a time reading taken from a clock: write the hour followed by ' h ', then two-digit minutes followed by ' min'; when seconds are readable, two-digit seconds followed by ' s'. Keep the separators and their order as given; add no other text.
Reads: 7 h 32 min
